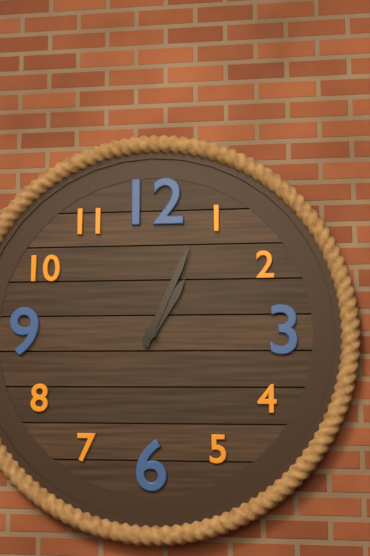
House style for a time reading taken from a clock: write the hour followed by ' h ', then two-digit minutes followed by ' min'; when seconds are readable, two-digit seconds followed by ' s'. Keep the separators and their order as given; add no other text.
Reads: 1 h 04 min
